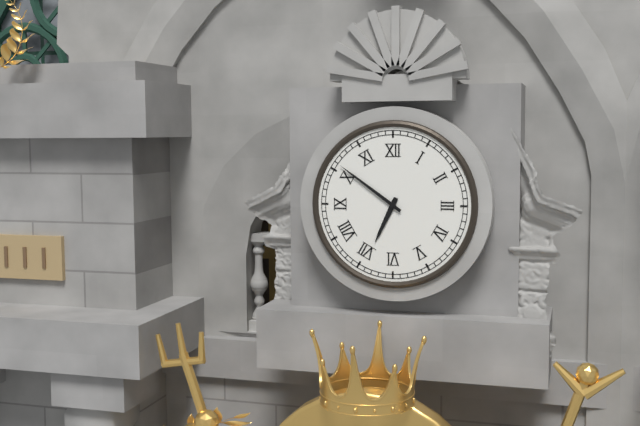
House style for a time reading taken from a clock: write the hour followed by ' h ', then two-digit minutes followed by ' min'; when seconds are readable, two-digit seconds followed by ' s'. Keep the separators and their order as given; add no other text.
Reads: 6 h 51 min
